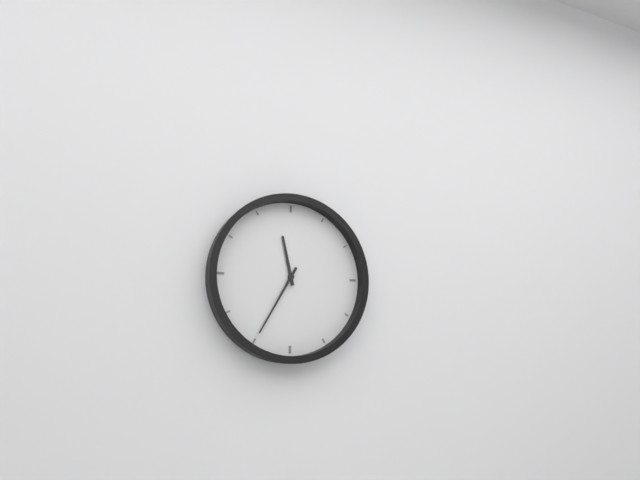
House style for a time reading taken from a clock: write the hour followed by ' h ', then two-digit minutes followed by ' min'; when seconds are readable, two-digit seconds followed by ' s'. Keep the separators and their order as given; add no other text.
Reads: 11 h 35 min
